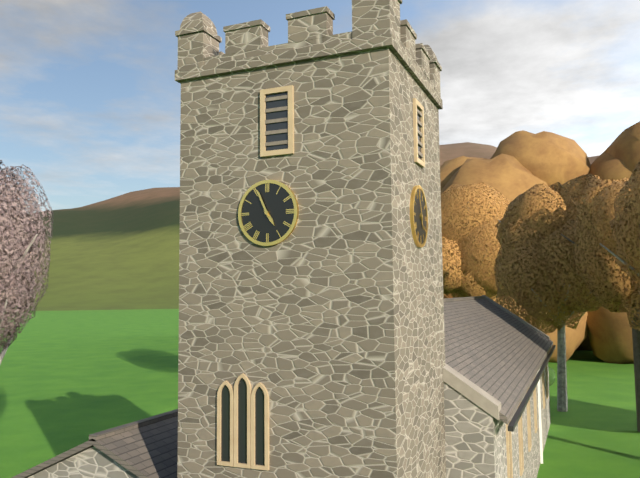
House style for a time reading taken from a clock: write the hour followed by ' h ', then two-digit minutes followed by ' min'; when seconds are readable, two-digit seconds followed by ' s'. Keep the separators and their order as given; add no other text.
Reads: 4 h 56 min
